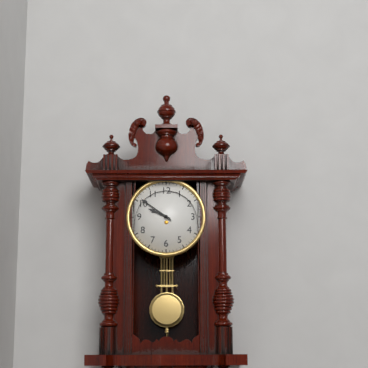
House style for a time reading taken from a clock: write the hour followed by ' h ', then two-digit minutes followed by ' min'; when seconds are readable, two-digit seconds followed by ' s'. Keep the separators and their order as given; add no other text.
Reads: 9 h 51 min
